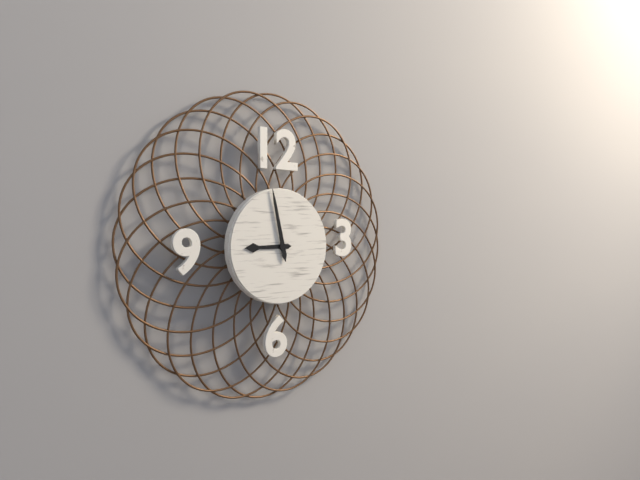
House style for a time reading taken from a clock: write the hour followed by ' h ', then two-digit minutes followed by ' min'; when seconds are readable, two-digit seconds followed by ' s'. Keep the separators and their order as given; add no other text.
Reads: 8 h 58 min
